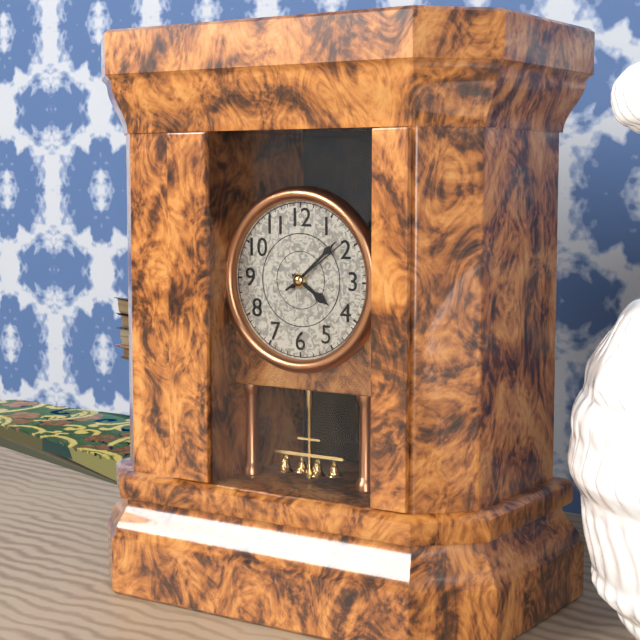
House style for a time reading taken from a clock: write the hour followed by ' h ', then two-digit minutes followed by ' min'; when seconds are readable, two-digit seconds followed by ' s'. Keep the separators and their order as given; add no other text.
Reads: 4 h 08 min 09 s
